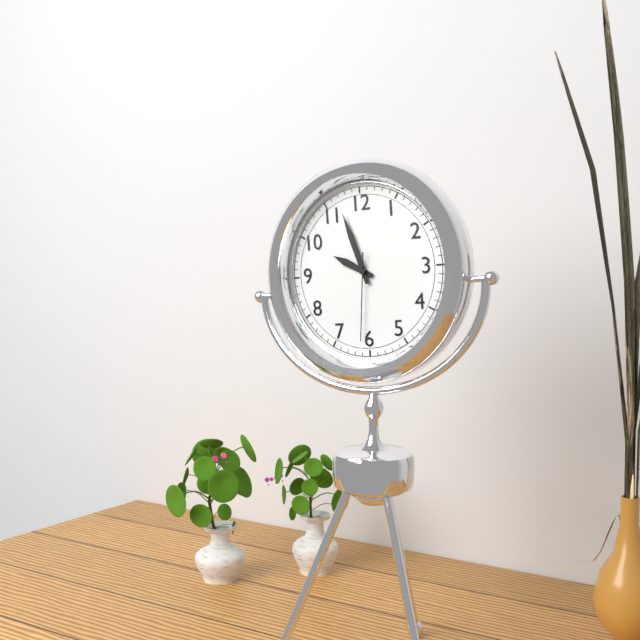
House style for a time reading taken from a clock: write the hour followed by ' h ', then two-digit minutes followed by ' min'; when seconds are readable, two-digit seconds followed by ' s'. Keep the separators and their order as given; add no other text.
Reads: 9 h 57 min 31 s
